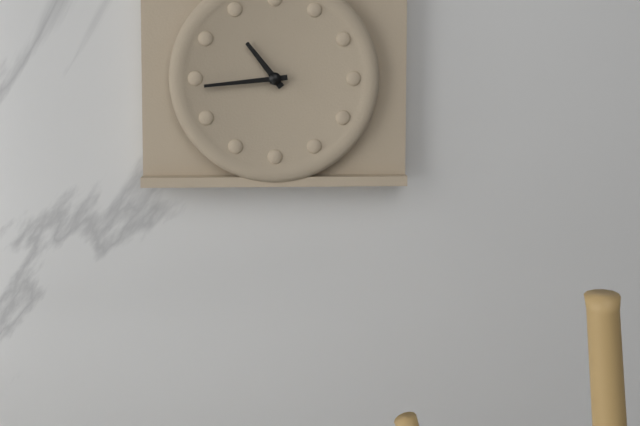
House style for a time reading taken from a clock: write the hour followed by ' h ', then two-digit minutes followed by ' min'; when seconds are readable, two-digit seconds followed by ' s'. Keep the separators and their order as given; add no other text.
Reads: 10 h 44 min
